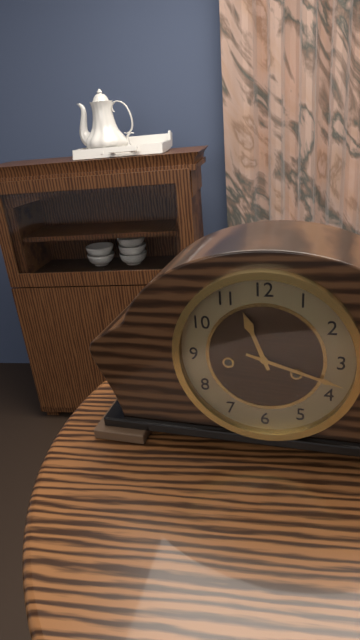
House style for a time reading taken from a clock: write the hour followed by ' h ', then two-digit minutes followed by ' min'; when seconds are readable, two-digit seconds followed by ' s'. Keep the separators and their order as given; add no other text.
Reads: 11 h 18 min
